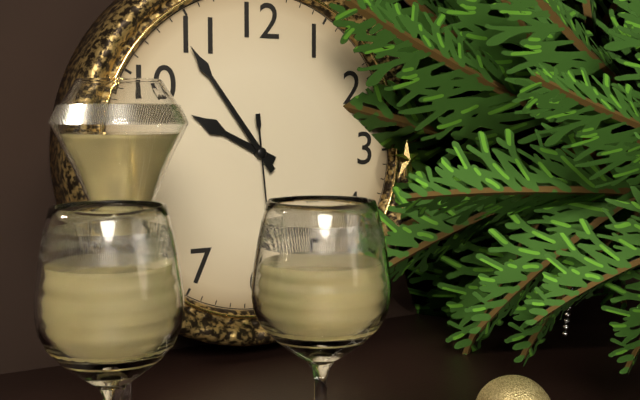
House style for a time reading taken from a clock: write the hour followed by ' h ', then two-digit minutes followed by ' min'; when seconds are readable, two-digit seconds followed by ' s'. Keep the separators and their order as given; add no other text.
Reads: 9 h 54 min
